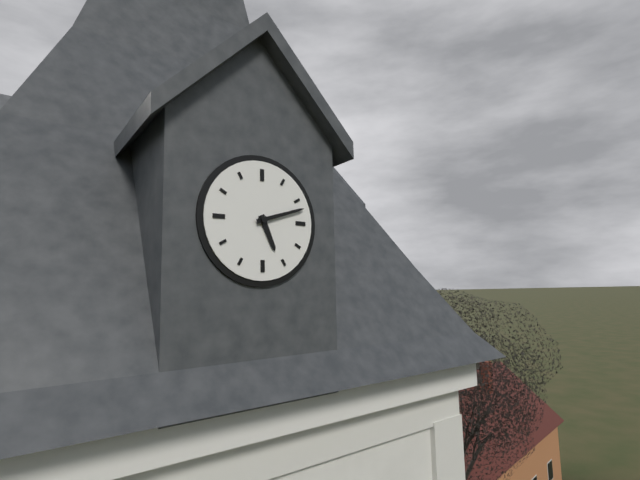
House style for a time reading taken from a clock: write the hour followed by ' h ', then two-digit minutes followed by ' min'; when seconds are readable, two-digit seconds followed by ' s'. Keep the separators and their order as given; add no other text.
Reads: 5 h 12 min
